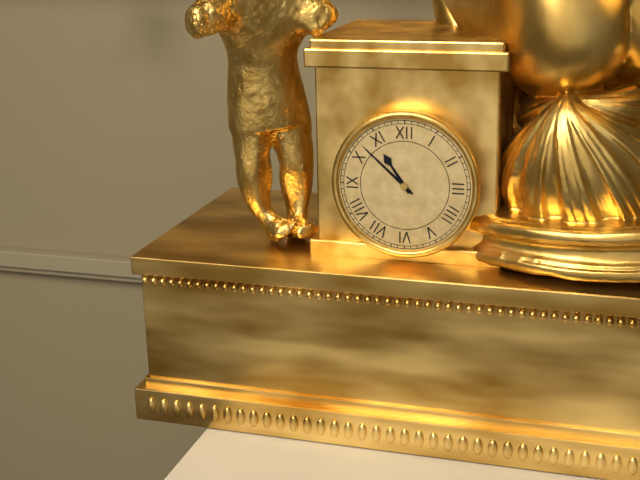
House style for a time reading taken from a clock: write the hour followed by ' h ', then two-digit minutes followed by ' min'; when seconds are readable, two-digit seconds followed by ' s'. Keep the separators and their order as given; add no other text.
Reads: 10 h 52 min
